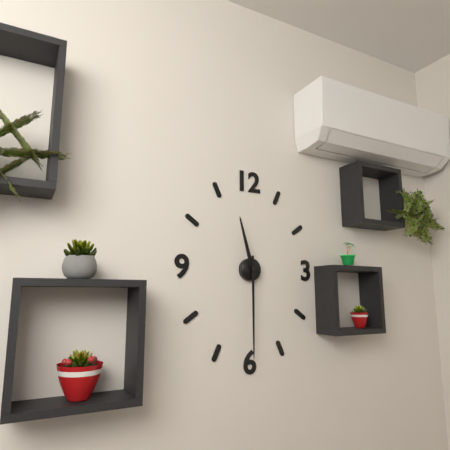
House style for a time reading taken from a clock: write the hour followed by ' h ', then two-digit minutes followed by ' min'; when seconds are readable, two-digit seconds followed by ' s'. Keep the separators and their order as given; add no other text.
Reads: 11 h 30 min
